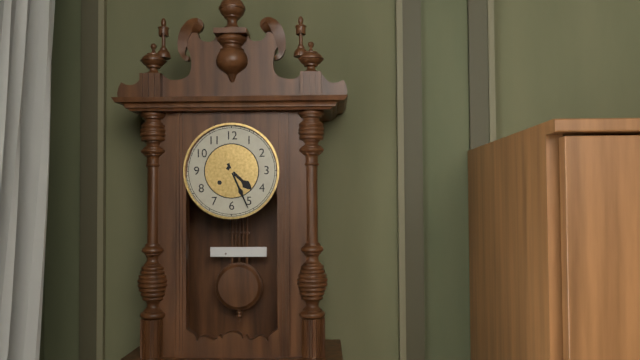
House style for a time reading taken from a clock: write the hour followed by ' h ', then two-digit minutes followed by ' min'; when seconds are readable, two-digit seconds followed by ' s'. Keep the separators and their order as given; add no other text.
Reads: 4 h 26 min
